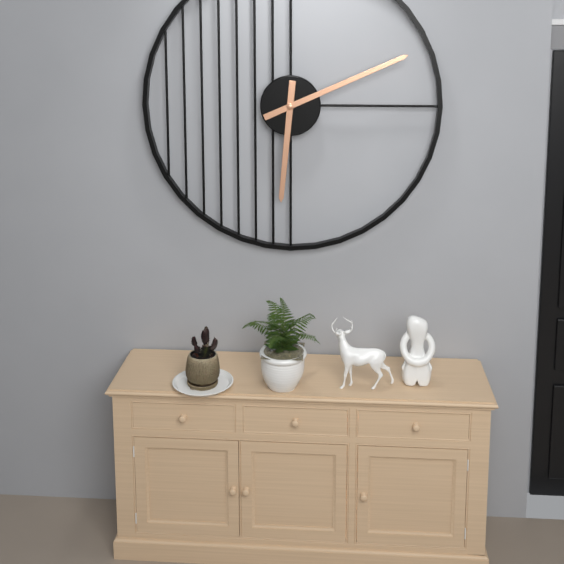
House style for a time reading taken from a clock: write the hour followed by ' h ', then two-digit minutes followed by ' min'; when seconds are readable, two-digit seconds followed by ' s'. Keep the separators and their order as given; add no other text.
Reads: 6 h 11 min
